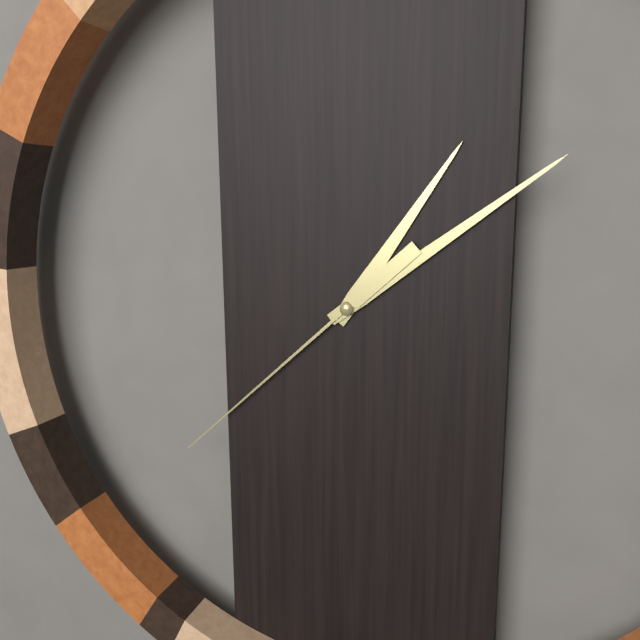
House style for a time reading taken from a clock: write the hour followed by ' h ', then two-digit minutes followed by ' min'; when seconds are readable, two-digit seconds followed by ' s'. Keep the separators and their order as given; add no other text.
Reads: 1 h 09 min 38 s
